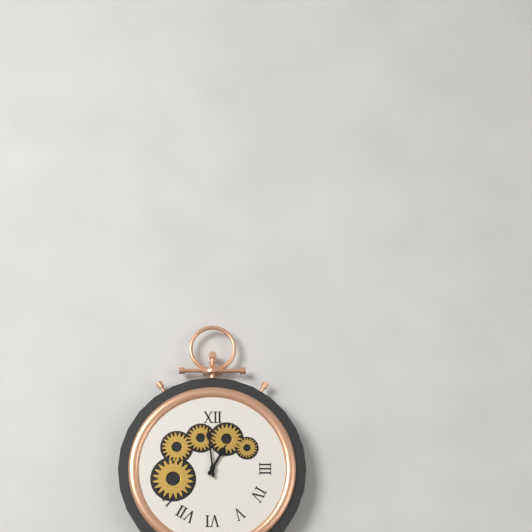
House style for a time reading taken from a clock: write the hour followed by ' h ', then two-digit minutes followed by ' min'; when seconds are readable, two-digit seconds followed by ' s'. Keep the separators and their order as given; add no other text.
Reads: 12 h 59 min
